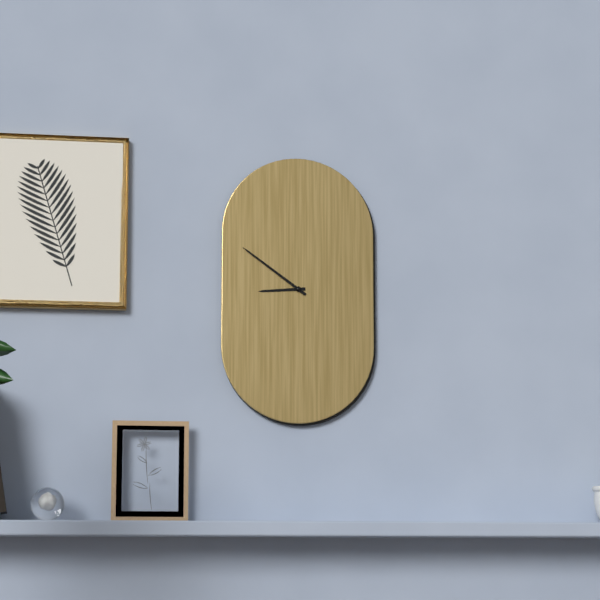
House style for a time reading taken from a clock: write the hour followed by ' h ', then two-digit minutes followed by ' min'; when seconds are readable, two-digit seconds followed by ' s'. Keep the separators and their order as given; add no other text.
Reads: 8 h 51 min
